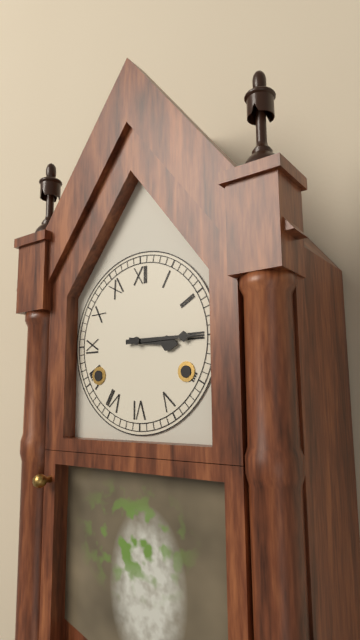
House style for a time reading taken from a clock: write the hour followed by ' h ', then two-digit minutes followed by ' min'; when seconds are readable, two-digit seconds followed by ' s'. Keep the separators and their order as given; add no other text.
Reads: 3 h 15 min
